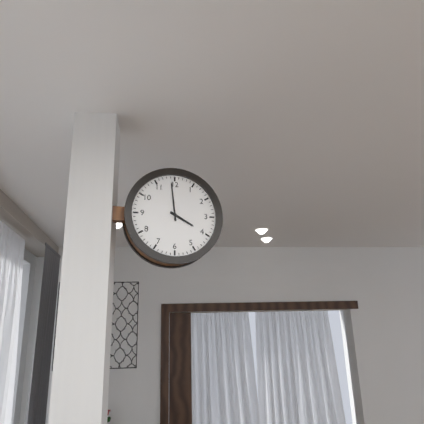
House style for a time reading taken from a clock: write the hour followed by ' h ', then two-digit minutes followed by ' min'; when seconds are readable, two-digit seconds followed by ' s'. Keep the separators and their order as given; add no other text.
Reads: 3 h 59 min
